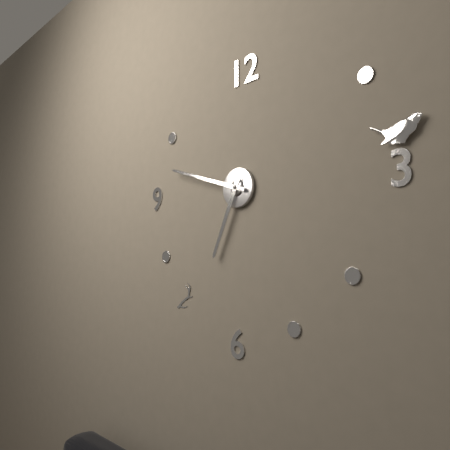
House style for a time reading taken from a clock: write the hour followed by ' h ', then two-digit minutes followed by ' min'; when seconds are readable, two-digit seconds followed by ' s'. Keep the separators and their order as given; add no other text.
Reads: 6 h 48 min
